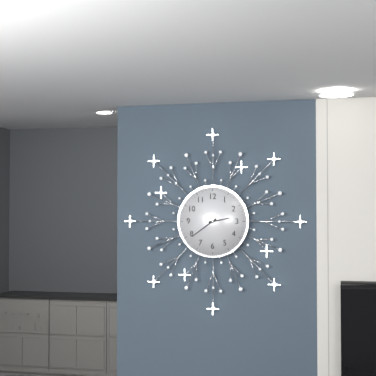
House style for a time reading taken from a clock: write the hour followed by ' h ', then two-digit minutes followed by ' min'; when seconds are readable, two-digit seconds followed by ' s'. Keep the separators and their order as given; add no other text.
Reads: 2 h 39 min
